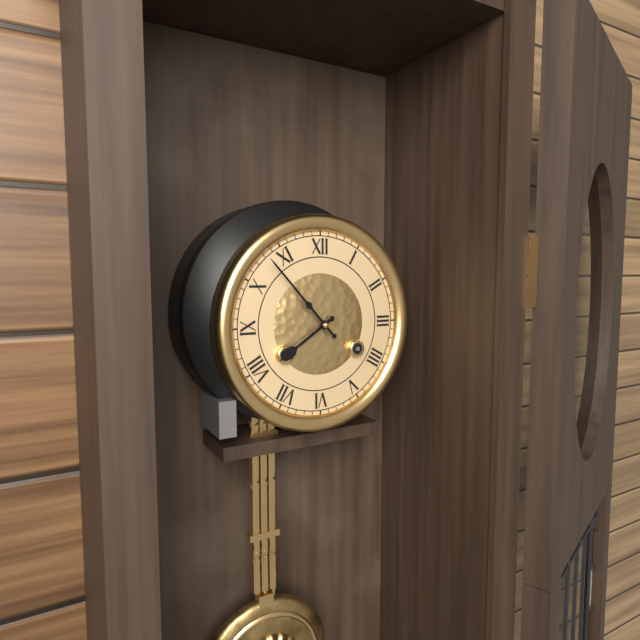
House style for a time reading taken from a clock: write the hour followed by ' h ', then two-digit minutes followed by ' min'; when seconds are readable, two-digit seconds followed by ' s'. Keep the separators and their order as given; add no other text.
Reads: 7 h 53 min
